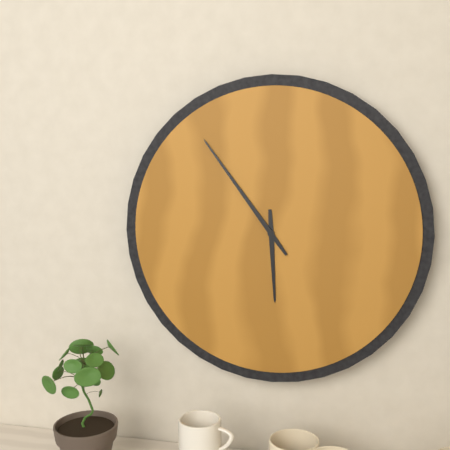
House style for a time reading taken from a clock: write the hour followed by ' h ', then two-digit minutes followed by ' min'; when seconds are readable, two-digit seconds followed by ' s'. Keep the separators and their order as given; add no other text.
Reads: 5 h 54 min
